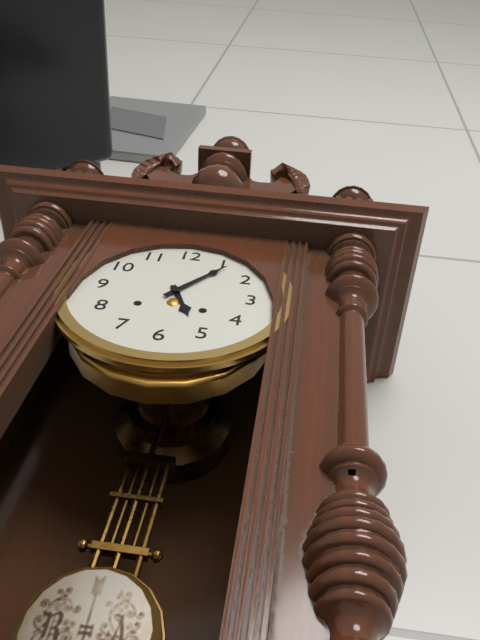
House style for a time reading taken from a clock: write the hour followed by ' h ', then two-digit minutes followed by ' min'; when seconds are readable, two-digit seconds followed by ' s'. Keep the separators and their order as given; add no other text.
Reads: 5 h 06 min
